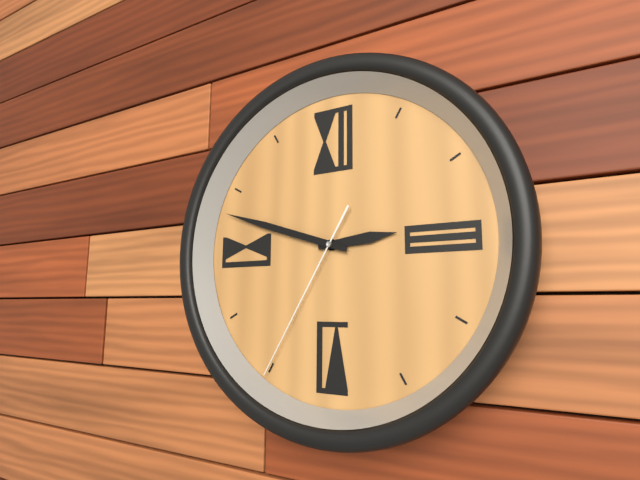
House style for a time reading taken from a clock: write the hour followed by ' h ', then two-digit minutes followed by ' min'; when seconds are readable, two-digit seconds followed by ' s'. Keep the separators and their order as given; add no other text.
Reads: 2 h 48 min 35 s
